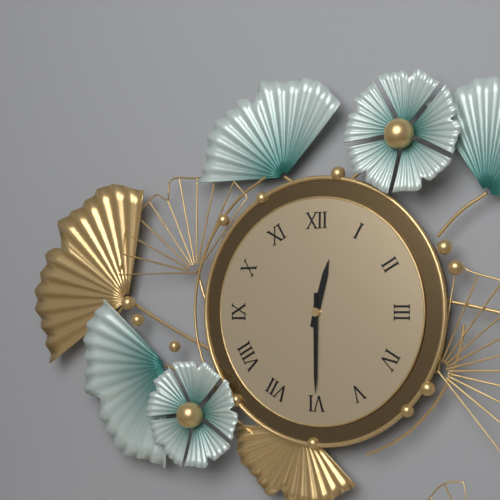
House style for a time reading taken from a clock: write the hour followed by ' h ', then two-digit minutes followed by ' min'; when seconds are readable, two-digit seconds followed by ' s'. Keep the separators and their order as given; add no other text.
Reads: 12 h 30 min
